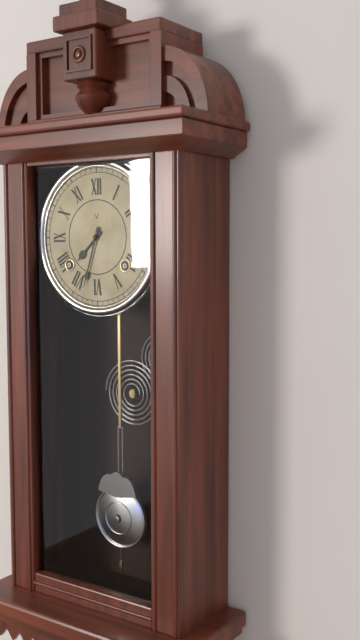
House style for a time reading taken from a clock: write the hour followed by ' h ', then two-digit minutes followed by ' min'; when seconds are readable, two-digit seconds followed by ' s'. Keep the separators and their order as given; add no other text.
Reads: 7 h 33 min
